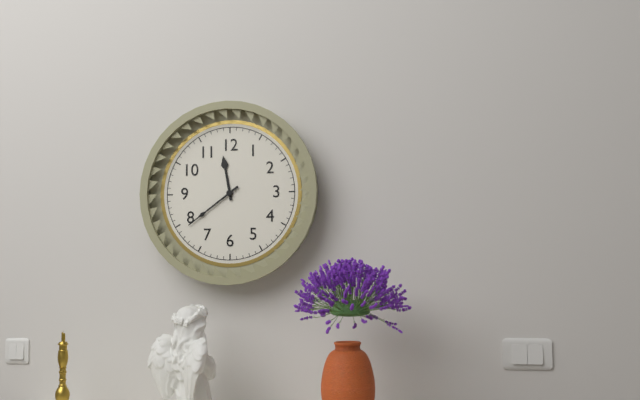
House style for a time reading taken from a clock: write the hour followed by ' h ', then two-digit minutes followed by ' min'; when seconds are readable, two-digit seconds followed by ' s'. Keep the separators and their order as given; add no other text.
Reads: 11 h 39 min
